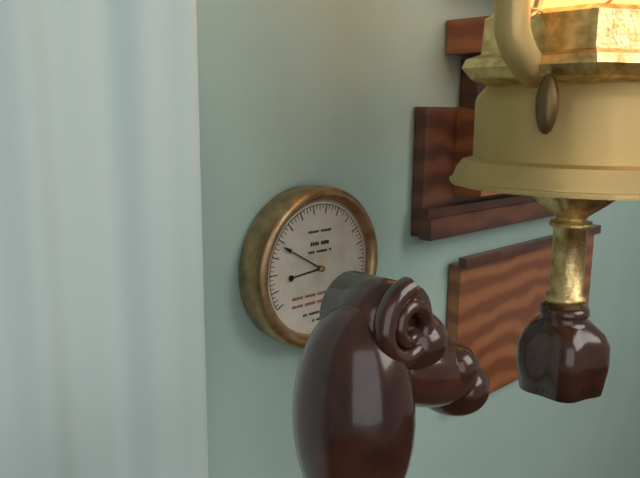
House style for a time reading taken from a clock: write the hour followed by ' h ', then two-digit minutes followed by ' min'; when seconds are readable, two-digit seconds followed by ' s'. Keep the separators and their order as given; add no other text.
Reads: 8 h 50 min
